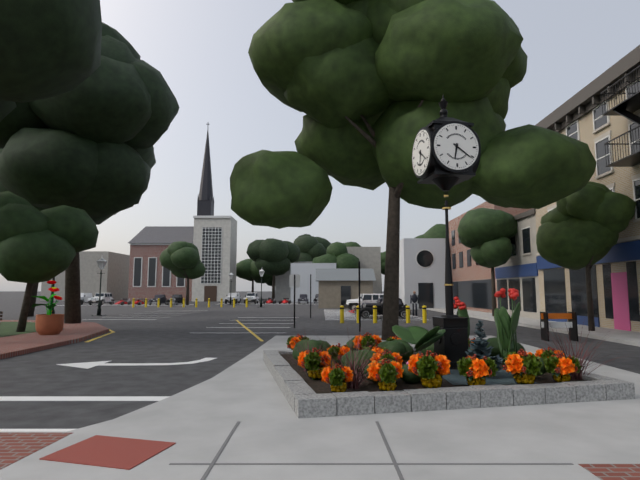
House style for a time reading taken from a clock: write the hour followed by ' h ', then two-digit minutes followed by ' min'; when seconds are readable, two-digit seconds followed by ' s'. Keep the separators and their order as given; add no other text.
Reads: 6 h 21 min
